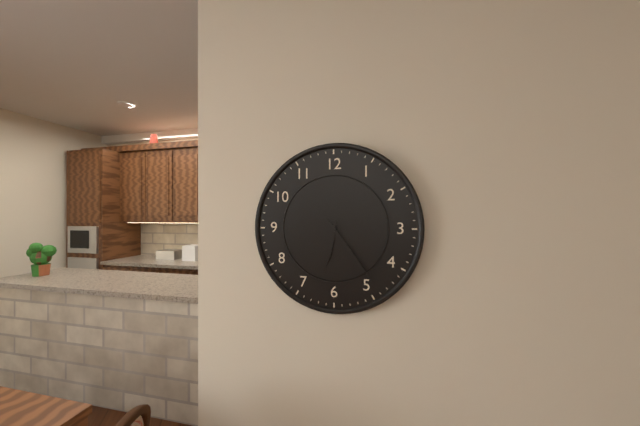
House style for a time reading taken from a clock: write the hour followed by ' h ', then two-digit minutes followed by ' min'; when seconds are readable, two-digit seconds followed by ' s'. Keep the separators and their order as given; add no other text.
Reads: 6 h 24 min
